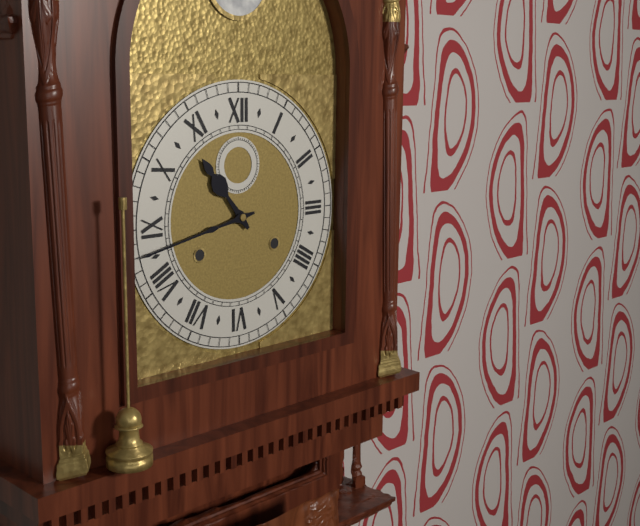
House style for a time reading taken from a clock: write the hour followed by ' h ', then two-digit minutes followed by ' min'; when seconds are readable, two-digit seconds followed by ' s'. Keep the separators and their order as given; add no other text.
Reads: 10 h 43 min
